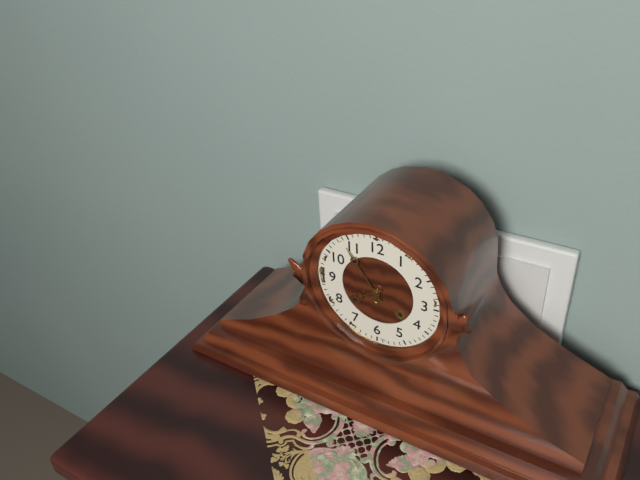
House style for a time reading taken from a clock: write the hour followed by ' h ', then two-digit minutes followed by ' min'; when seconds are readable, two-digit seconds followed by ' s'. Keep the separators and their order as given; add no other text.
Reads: 7 h 54 min
